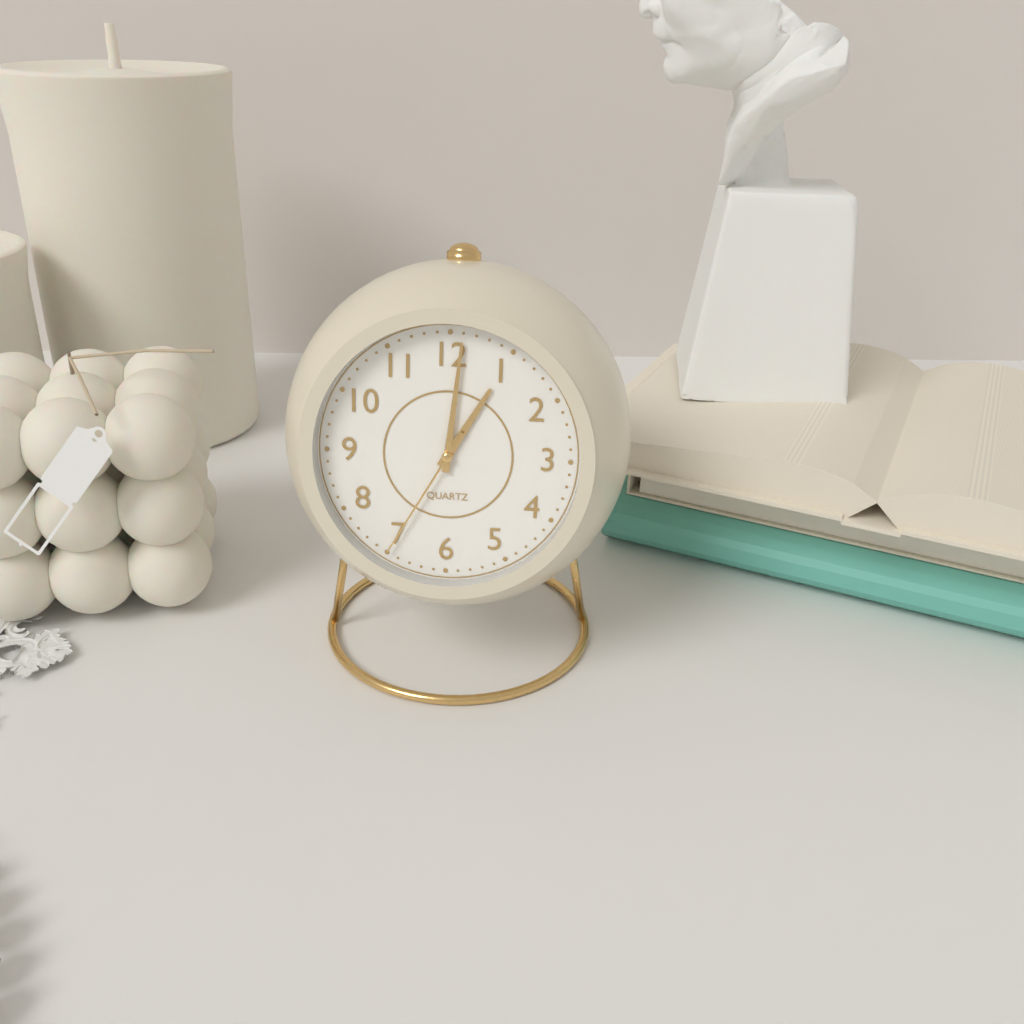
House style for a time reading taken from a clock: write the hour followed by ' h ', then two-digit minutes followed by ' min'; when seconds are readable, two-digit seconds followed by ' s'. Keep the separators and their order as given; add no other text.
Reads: 1 h 01 min 35 s
